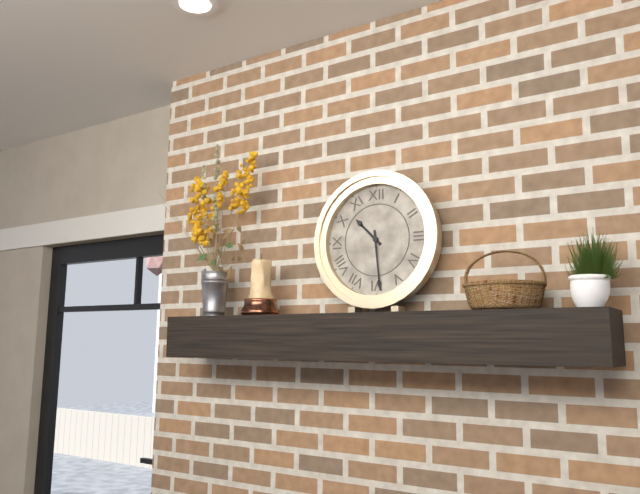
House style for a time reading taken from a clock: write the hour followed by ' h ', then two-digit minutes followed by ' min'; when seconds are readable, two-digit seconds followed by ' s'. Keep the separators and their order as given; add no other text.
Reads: 10 h 29 min
